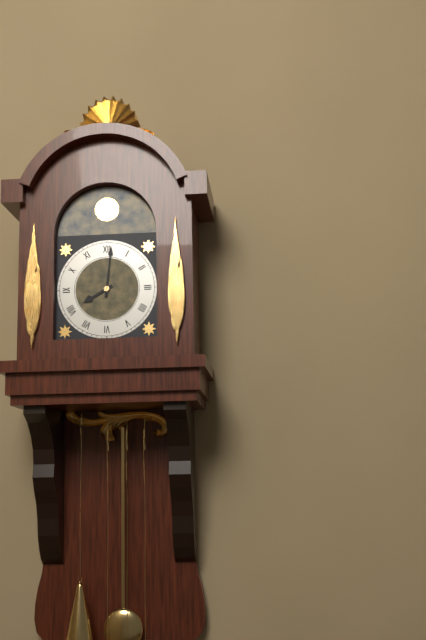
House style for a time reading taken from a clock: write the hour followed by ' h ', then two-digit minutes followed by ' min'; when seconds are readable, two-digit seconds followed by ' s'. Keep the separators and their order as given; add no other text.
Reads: 8 h 01 min
